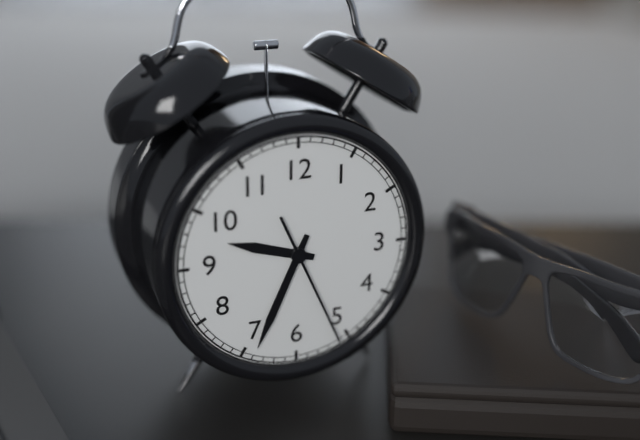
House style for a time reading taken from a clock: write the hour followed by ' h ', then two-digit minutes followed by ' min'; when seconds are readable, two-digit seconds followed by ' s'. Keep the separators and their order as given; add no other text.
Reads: 9 h 34 min 26 s
